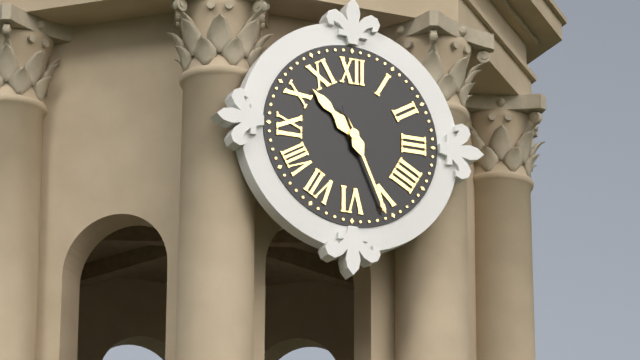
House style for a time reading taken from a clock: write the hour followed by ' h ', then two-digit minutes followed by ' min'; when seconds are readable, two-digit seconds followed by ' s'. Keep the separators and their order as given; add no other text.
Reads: 10 h 26 min
